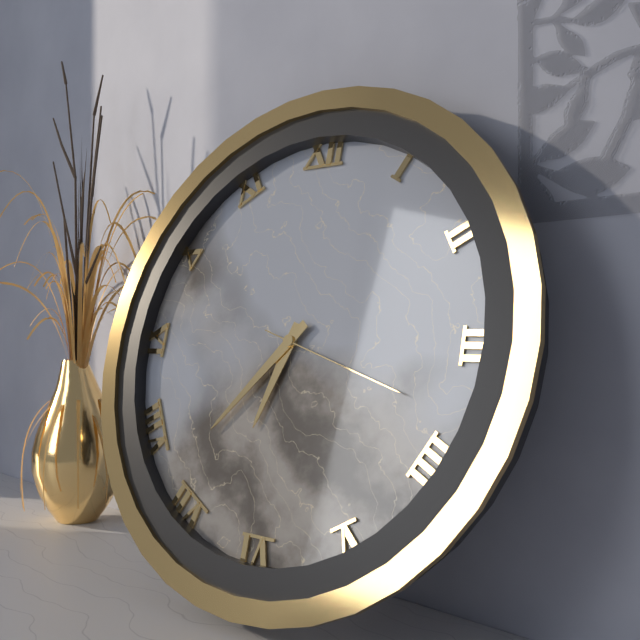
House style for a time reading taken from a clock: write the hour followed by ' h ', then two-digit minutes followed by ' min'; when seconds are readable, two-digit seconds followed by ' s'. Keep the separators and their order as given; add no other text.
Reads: 6 h 37 min 18 s
